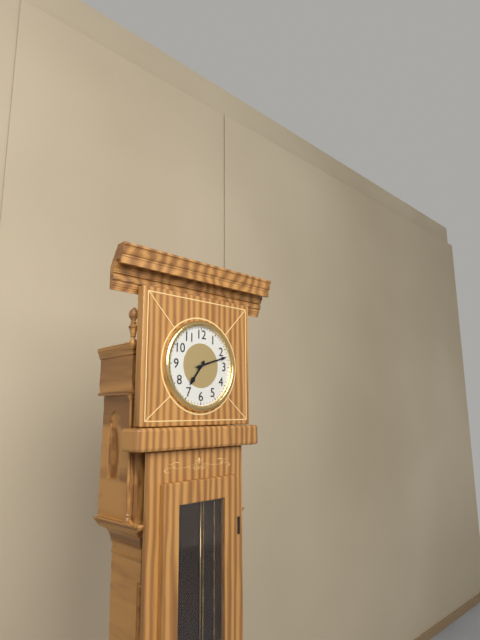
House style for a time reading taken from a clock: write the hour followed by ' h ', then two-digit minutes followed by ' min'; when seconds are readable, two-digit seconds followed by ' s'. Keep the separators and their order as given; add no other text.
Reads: 7 h 12 min
